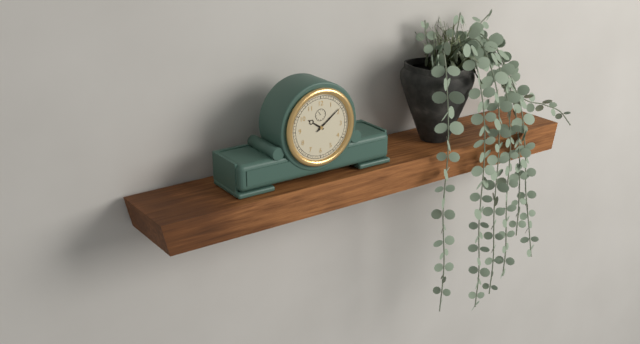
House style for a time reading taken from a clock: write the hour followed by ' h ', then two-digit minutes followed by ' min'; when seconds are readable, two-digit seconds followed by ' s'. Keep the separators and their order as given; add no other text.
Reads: 10 h 09 min
